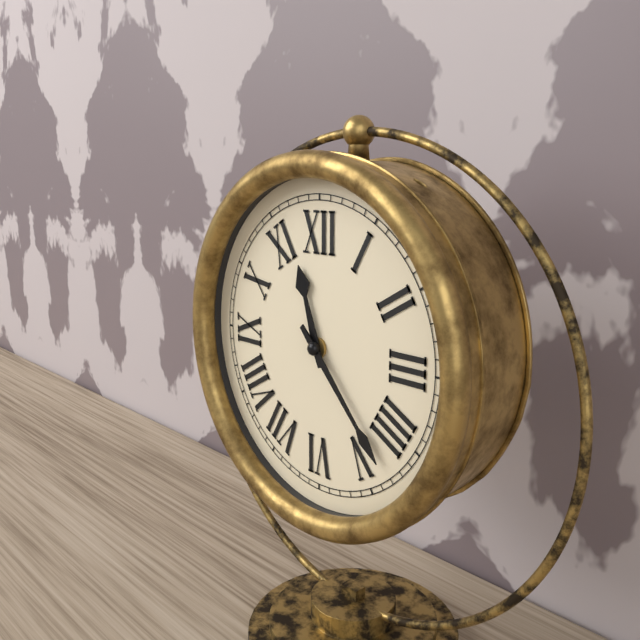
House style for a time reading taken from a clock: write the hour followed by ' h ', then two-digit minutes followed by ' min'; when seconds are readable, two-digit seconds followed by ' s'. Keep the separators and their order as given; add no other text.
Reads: 11 h 23 min
